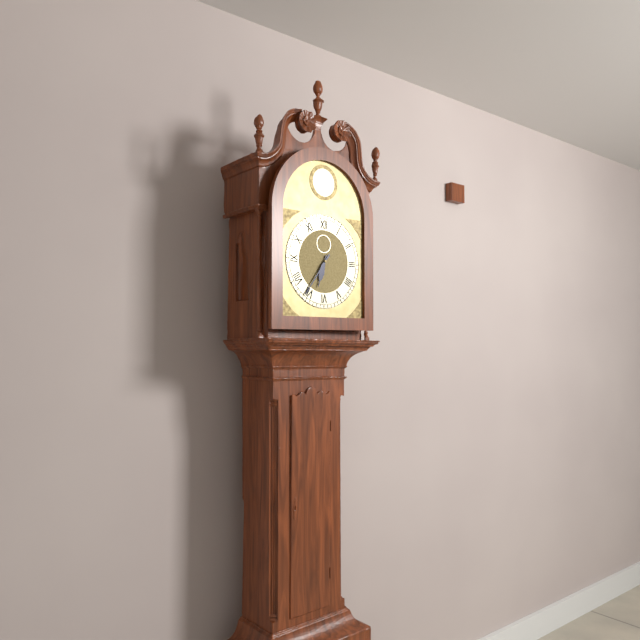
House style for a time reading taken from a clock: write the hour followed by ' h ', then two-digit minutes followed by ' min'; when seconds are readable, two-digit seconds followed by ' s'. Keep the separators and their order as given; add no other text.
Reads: 6 h 36 min
